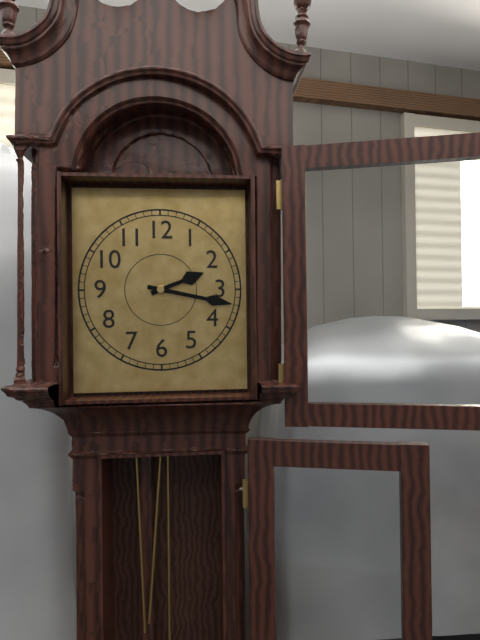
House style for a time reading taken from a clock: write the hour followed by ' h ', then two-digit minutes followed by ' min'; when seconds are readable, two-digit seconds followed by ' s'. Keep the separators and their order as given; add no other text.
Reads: 2 h 17 min
